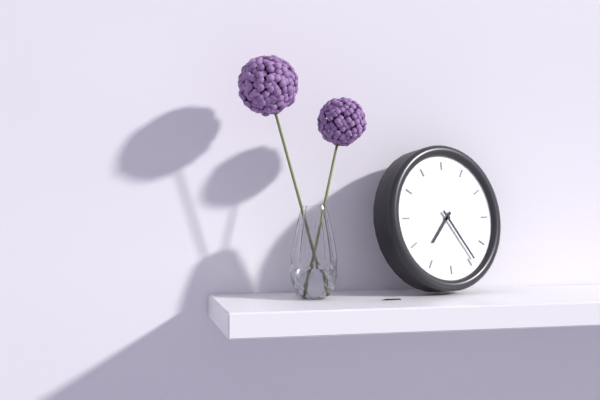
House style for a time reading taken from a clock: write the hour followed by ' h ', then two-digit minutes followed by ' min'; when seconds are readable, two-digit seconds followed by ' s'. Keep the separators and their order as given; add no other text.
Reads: 7 h 24 min
